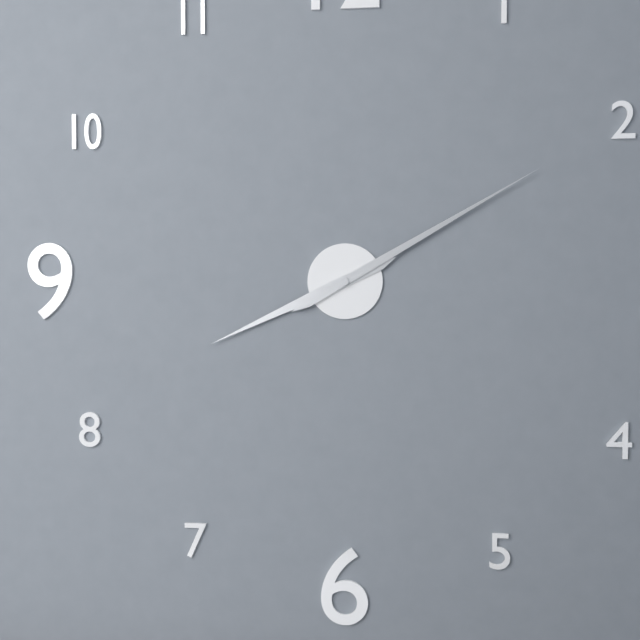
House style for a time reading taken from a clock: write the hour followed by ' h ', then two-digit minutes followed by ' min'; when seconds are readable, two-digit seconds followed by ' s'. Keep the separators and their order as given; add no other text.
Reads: 8 h 10 min
